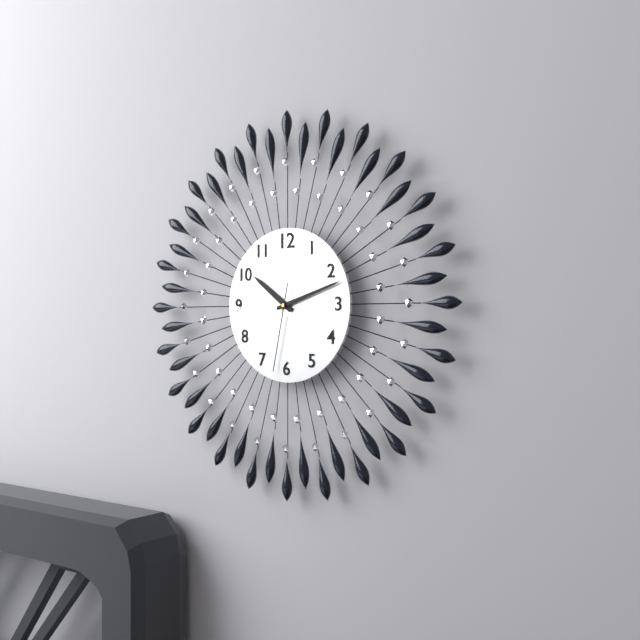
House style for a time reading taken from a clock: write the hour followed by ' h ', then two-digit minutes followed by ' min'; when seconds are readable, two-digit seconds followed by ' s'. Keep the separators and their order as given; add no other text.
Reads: 10 h 12 min 32 s
